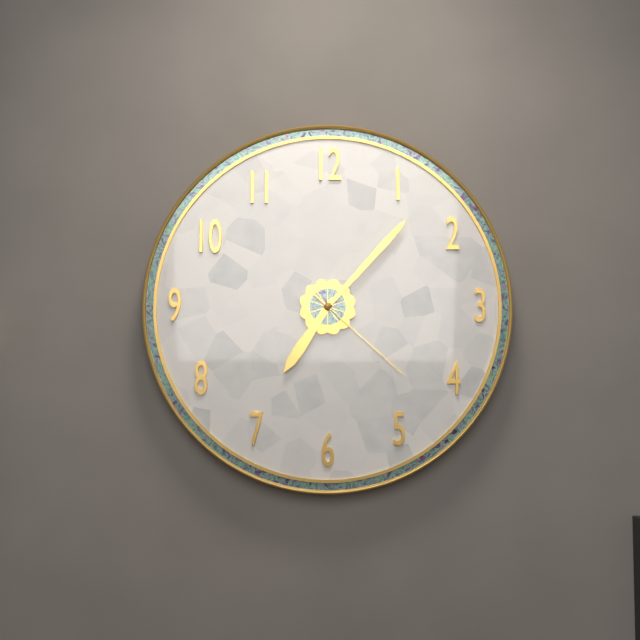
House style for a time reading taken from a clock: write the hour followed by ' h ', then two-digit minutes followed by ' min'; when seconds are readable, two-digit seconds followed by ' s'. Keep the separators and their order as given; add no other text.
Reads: 7 h 07 min 22 s
